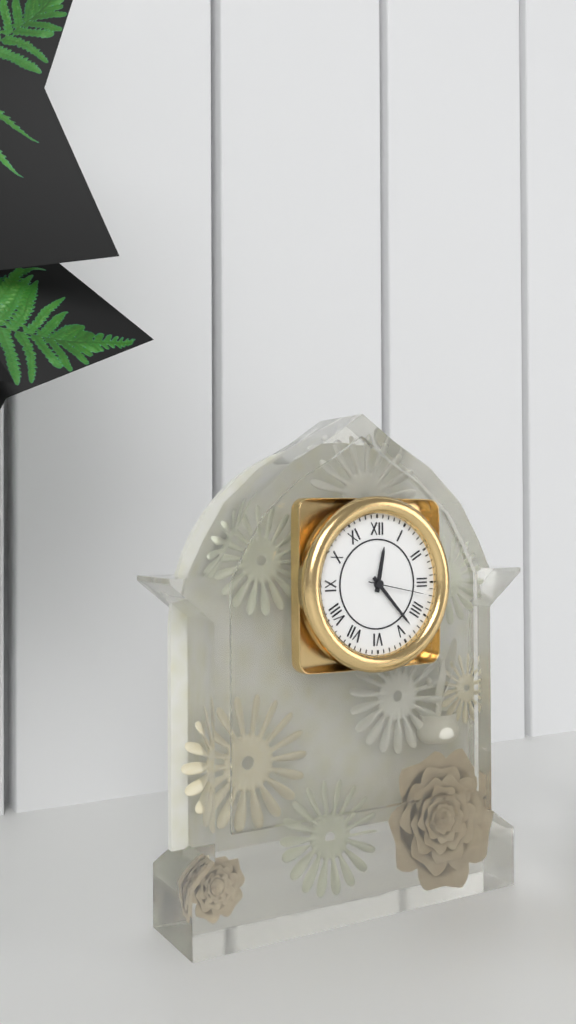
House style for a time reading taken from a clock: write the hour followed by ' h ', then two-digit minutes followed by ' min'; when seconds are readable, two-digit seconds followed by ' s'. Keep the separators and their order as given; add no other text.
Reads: 12 h 23 min 17 s
